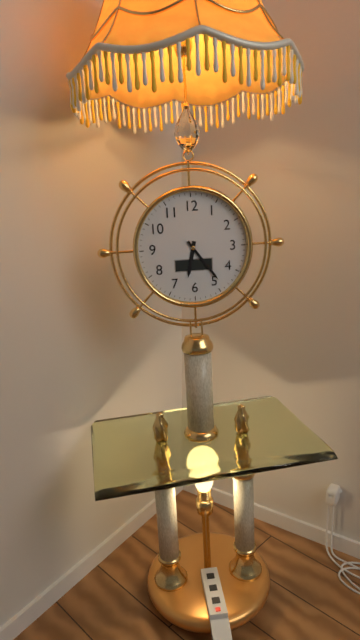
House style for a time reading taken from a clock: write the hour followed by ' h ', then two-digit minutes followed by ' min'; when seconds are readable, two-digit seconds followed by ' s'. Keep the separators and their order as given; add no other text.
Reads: 6 h 24 min
